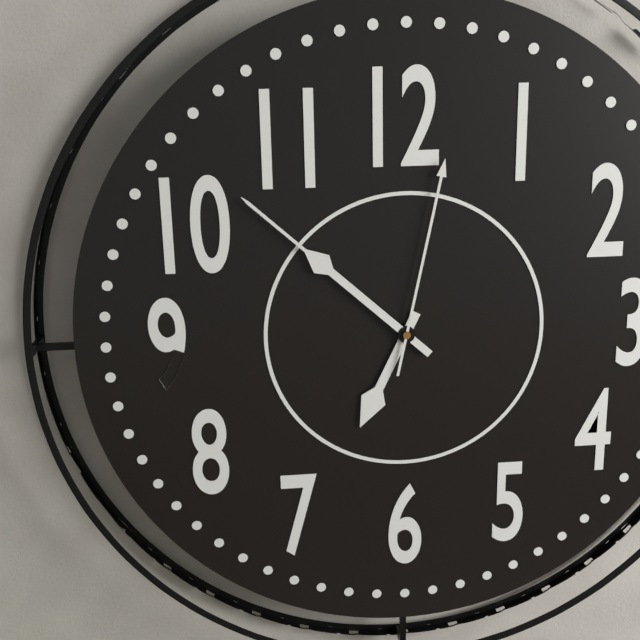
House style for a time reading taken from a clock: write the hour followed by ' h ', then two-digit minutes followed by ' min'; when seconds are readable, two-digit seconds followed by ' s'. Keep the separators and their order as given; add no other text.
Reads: 6 h 52 min 02 s
